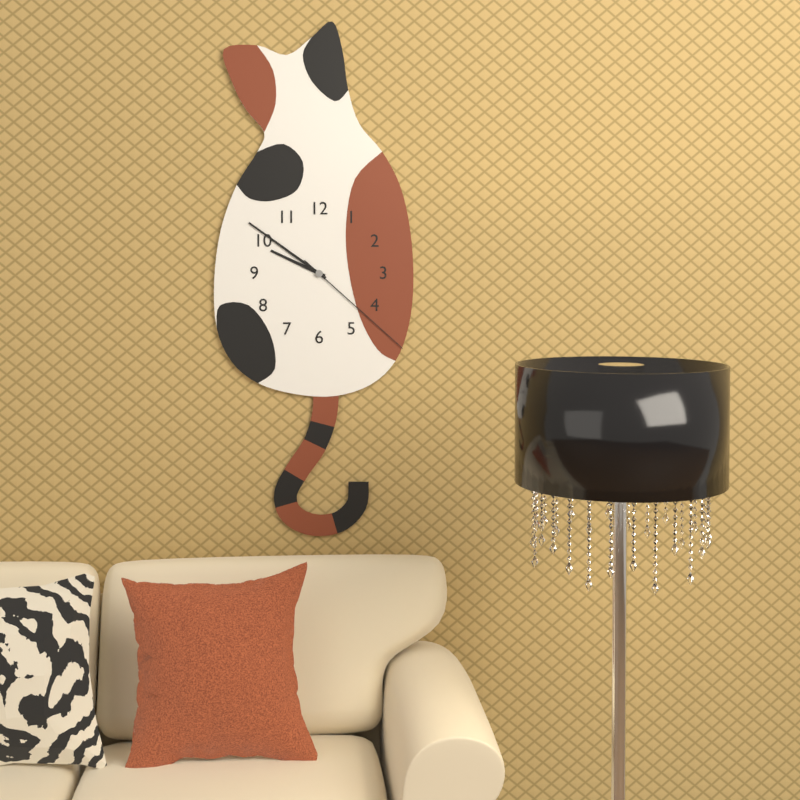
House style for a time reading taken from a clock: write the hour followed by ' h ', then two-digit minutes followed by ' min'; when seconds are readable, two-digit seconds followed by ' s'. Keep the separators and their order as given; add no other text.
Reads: 9 h 51 min 22 s
